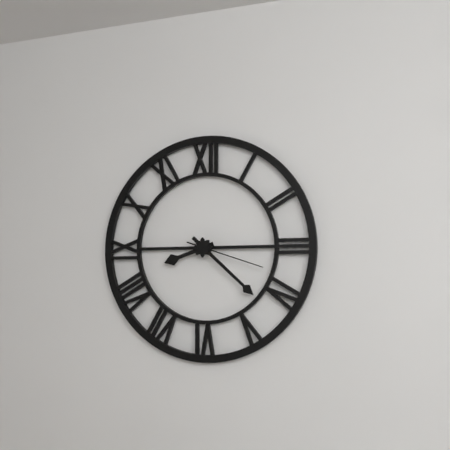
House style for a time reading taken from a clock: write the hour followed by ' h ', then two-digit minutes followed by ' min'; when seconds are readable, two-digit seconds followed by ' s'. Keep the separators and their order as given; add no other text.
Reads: 8 h 22 min 18 s
